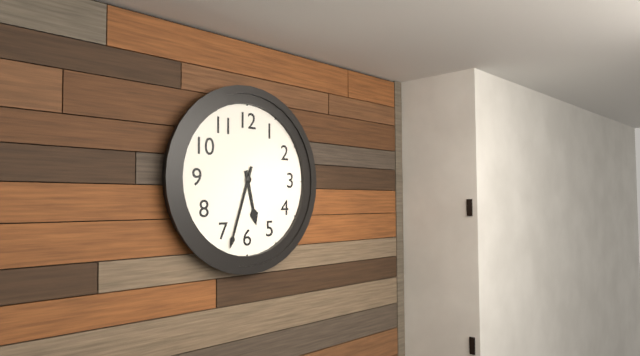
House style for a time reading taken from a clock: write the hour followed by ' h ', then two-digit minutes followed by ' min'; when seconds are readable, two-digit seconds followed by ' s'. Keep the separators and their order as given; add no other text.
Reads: 5 h 33 min
